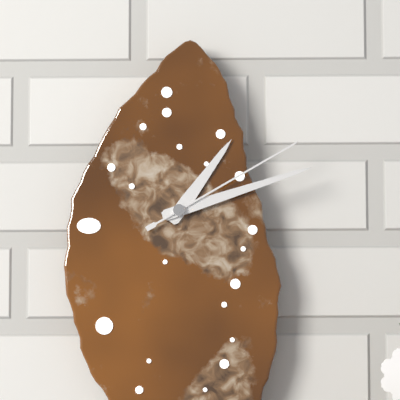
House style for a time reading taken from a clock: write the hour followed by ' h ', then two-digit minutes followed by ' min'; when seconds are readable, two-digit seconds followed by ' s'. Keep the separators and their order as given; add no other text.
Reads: 1 h 12 min 10 s
